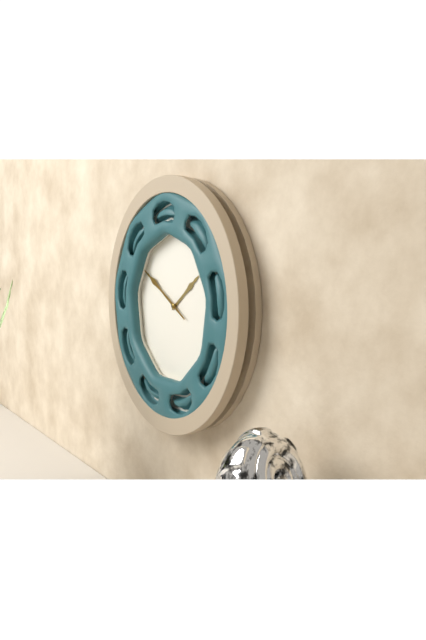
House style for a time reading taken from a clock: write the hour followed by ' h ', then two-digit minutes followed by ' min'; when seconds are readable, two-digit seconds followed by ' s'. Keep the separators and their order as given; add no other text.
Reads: 1 h 50 min
